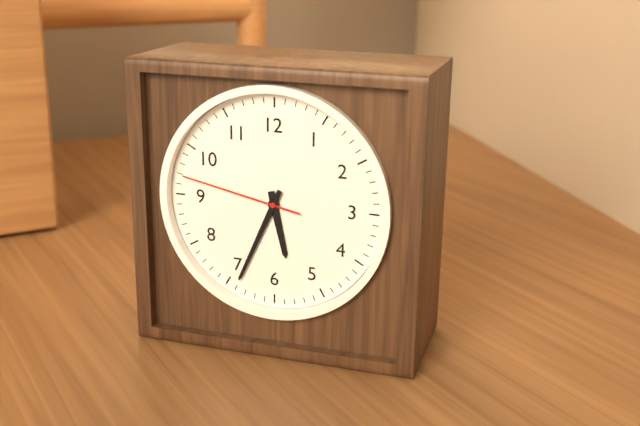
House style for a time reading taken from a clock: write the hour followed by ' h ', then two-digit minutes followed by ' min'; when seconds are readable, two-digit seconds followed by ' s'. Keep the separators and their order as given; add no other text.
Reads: 5 h 34 min 47 s
